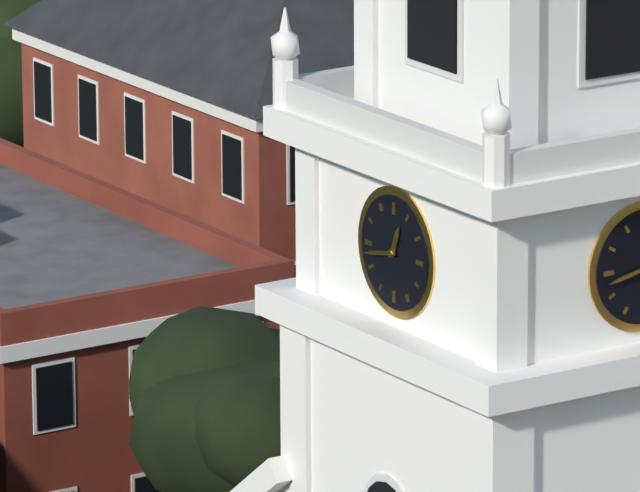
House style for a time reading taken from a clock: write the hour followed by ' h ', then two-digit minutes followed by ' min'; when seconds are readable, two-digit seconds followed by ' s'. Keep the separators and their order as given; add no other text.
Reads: 12 h 43 min
